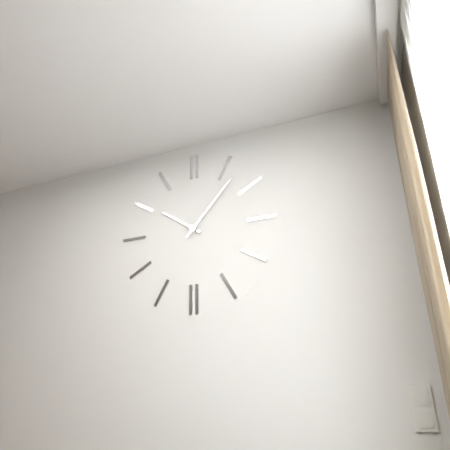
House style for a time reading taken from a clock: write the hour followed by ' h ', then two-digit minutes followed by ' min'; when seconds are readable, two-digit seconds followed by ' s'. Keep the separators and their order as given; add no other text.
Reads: 10 h 07 min
